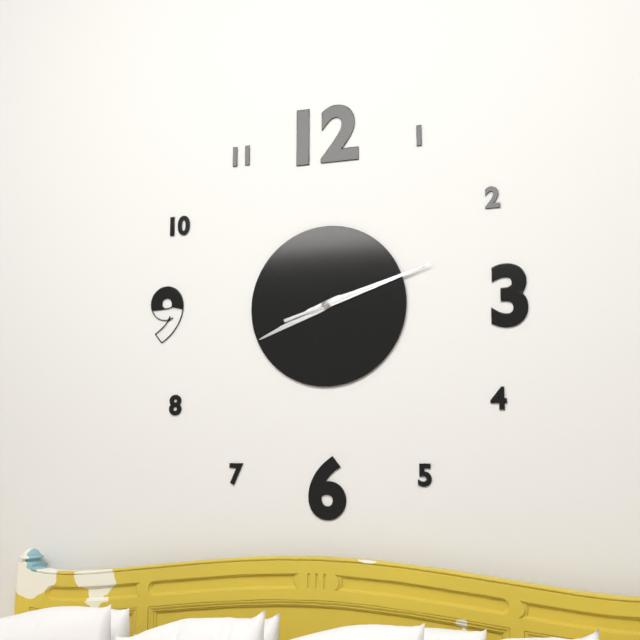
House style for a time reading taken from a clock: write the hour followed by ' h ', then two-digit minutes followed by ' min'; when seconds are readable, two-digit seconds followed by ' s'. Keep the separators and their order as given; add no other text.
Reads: 8 h 12 min 12 s
